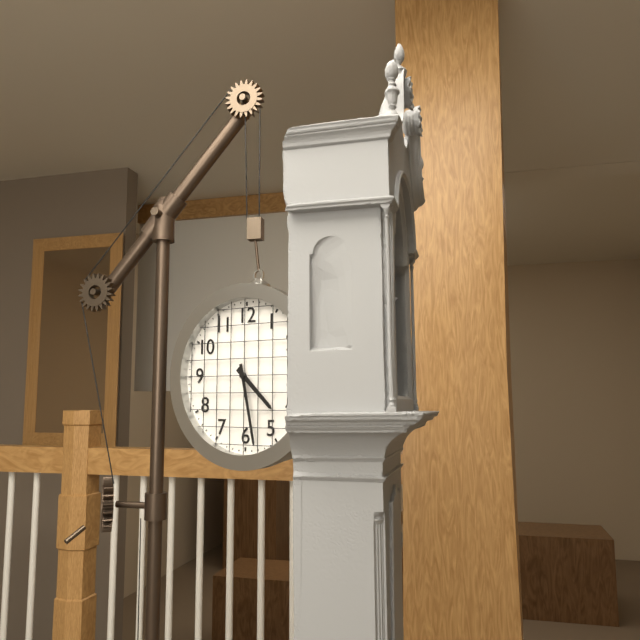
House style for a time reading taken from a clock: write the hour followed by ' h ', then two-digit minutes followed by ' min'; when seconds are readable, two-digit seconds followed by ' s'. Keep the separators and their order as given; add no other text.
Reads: 4 h 28 min
